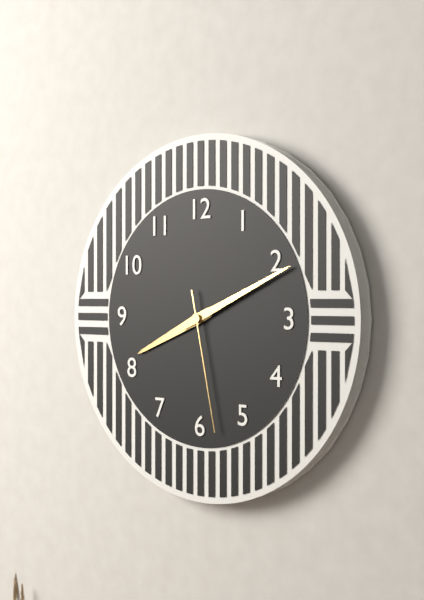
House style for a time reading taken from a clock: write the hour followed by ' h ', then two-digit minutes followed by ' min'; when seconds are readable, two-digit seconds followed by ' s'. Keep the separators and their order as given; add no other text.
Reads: 8 h 11 min 28 s
